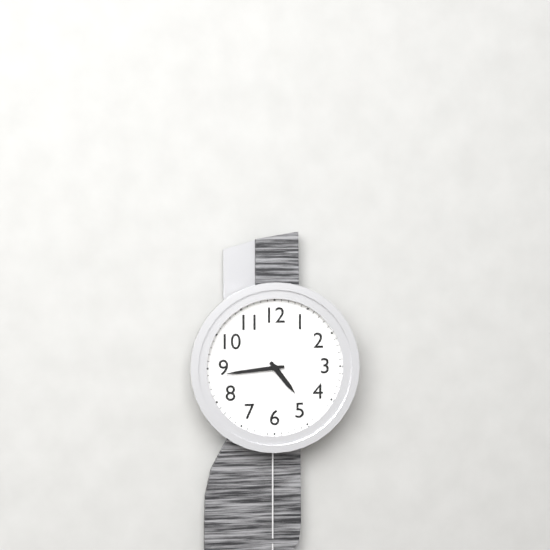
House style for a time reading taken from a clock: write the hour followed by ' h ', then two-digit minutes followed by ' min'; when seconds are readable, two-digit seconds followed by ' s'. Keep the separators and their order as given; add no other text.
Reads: 4 h 44 min
